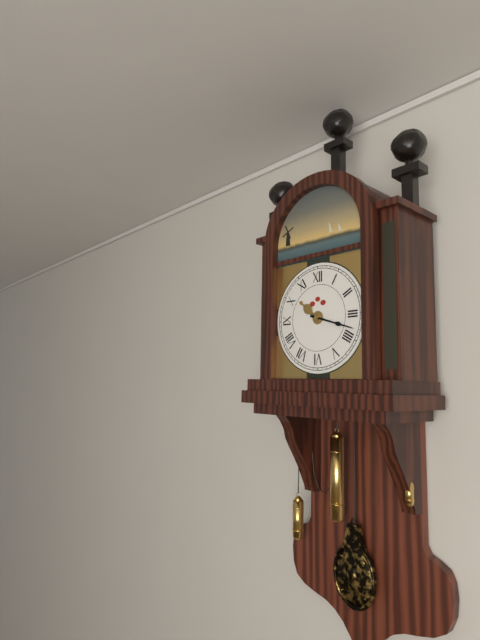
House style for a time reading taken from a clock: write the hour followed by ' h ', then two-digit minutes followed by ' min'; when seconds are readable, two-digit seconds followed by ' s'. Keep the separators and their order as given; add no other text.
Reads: 10 h 18 min
